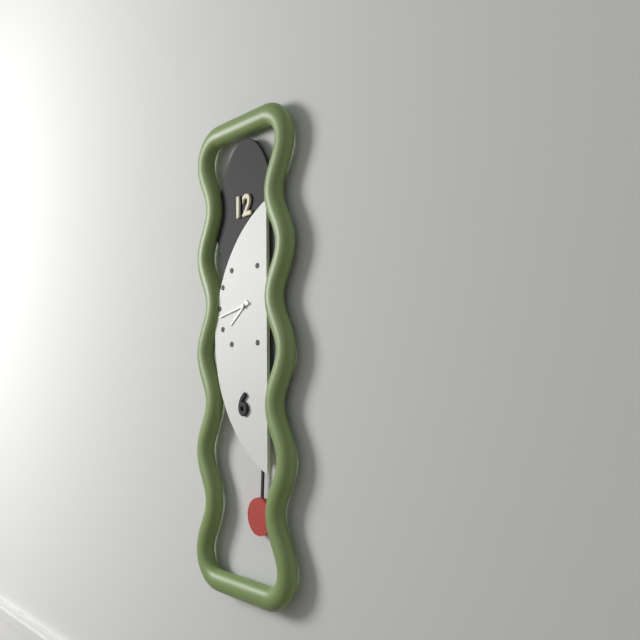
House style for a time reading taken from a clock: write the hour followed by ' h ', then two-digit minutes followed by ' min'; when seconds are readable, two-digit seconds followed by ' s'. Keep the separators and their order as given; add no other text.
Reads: 7 h 43 min
